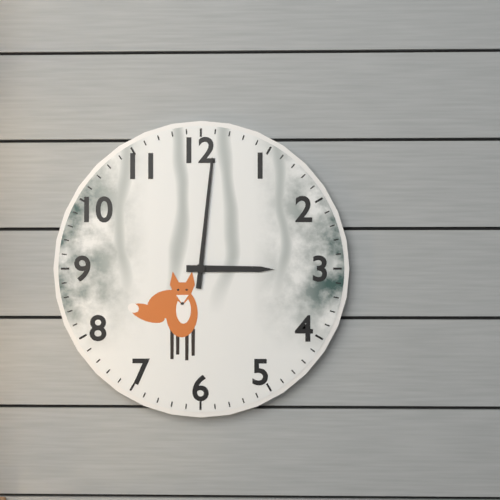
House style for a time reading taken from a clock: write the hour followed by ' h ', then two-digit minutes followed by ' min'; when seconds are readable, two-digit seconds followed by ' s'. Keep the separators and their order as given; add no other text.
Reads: 3 h 01 min
